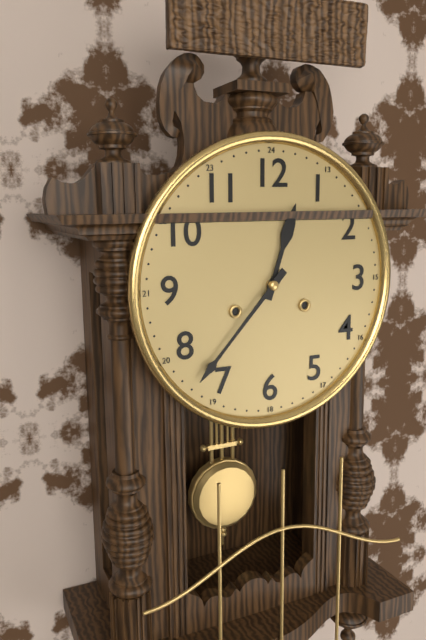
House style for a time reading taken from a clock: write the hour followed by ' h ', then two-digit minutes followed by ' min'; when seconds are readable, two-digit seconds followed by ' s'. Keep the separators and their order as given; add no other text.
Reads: 12 h 37 min
